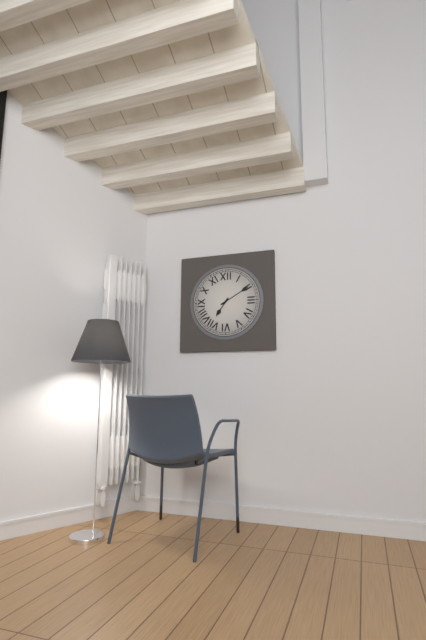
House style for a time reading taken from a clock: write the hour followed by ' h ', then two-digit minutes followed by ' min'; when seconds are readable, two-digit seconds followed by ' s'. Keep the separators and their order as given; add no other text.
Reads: 7 h 10 min
